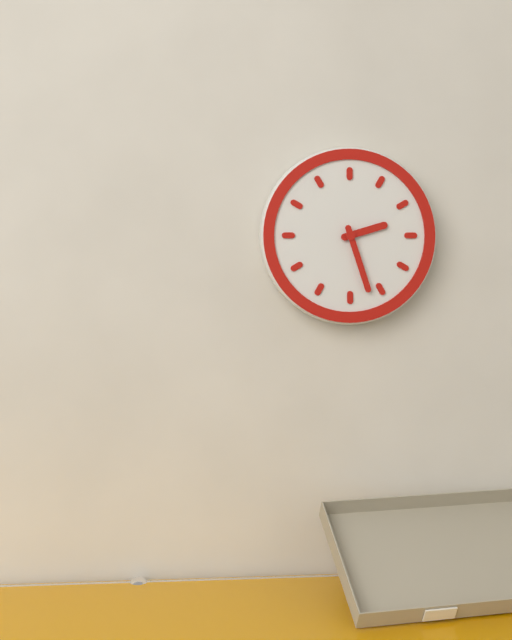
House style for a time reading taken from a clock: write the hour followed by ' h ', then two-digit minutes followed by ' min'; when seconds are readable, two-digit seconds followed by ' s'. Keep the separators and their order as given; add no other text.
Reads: 2 h 27 min
